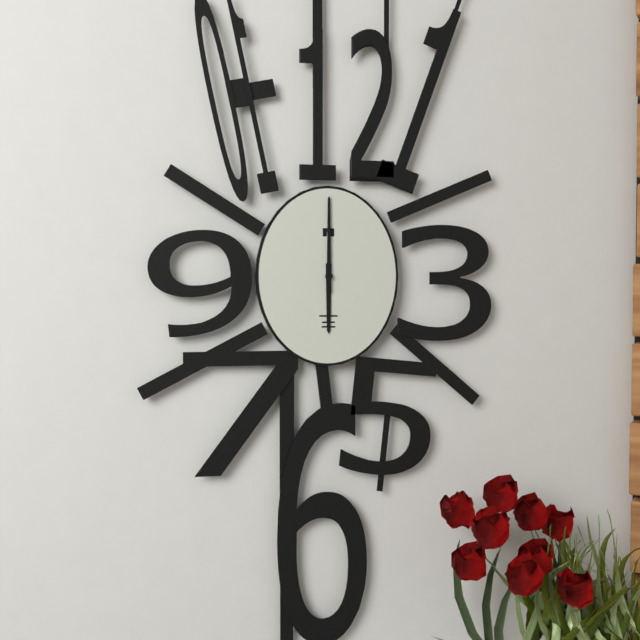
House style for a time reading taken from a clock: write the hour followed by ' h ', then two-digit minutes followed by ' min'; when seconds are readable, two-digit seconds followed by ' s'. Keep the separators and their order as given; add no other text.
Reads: 6 h 00 min
